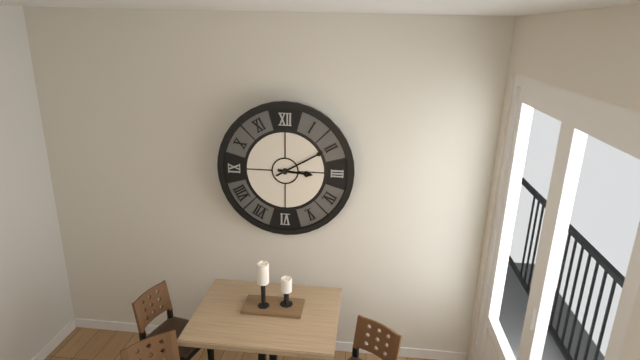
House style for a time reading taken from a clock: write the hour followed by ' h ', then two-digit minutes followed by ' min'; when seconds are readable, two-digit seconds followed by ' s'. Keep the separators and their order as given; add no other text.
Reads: 3 h 10 min
